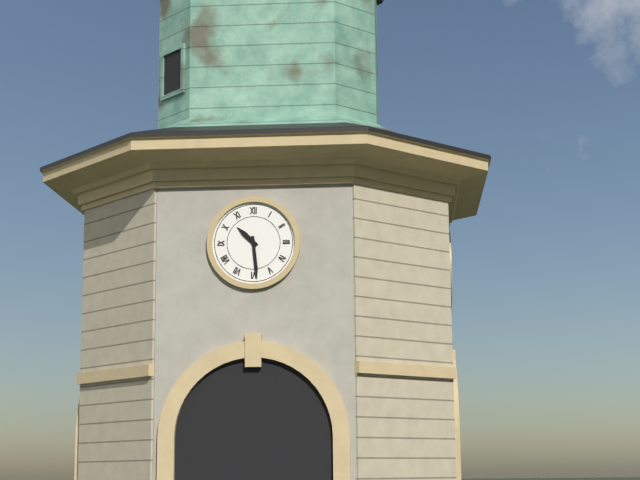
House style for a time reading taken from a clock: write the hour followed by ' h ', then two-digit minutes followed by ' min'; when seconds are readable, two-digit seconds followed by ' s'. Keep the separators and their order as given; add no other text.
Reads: 10 h 29 min
